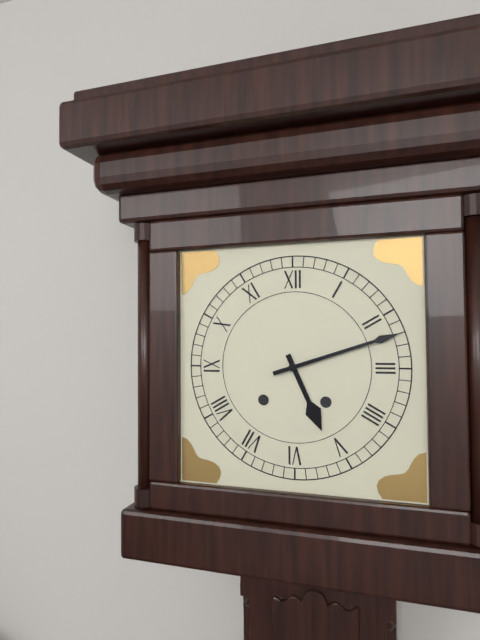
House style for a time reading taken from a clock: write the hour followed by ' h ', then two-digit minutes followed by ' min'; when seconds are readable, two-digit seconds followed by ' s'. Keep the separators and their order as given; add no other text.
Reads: 5 h 12 min
